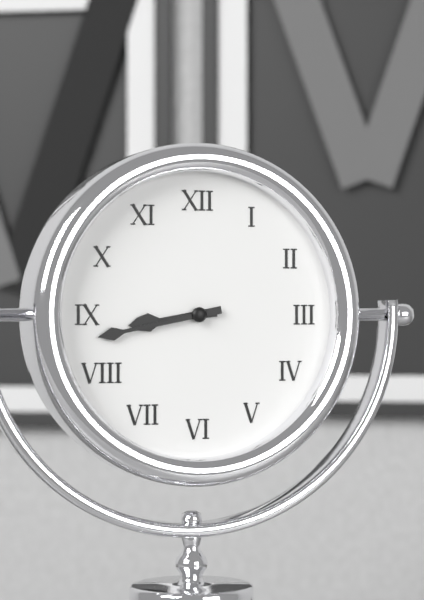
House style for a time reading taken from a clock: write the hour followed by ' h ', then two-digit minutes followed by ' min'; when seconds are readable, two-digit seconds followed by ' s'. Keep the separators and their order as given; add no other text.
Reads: 8 h 43 min
